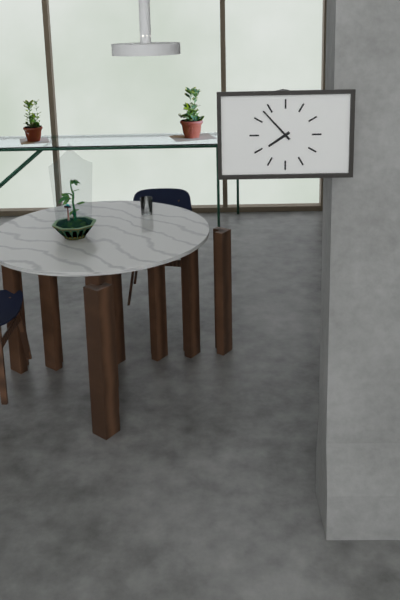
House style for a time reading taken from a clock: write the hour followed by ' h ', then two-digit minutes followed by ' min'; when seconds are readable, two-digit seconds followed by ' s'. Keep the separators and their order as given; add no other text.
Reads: 7 h 53 min
